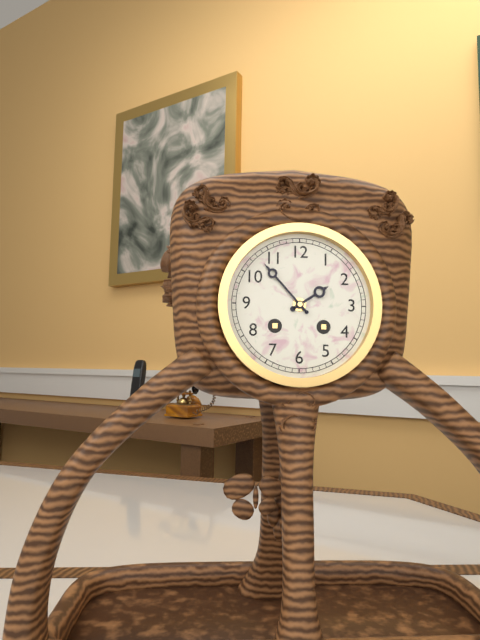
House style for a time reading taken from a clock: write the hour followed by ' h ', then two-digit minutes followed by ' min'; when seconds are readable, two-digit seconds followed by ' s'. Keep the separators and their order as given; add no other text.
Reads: 1 h 53 min
